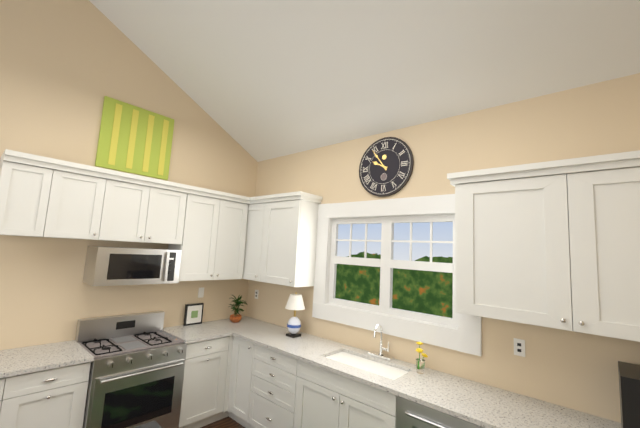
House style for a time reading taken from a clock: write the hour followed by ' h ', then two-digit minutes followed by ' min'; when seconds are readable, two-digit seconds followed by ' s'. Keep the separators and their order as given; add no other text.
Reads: 9 h 54 min
